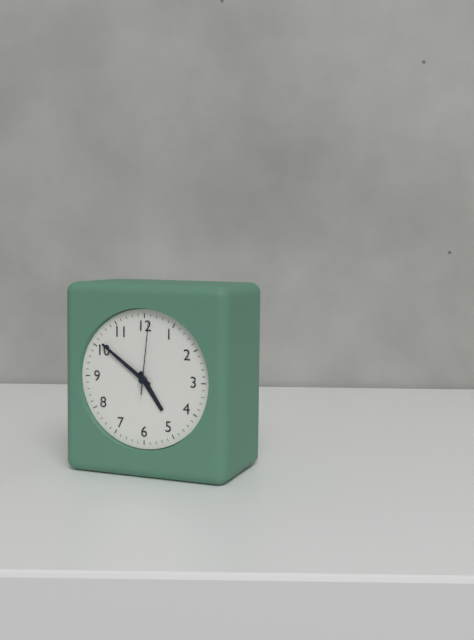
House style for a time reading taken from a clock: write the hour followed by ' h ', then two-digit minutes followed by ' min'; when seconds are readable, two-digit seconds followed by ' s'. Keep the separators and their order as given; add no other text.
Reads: 4 h 51 min 01 s
